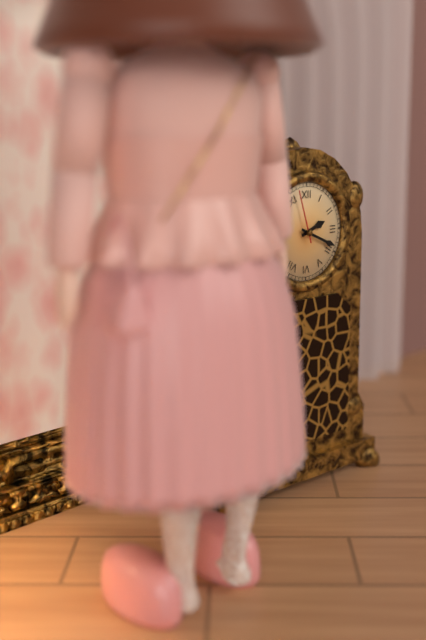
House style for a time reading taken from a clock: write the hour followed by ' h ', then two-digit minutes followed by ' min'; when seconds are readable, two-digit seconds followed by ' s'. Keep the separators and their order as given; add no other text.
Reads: 2 h 19 min 57 s
